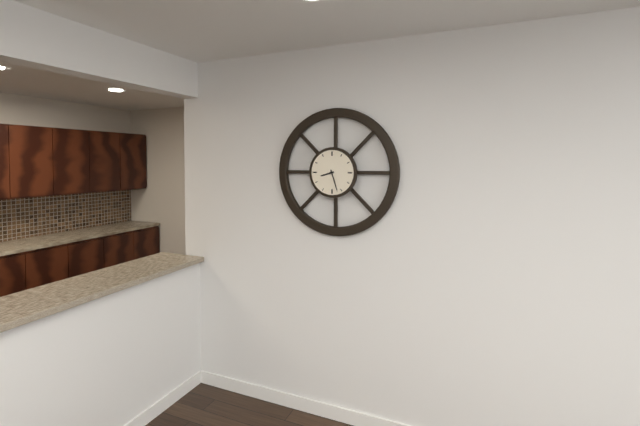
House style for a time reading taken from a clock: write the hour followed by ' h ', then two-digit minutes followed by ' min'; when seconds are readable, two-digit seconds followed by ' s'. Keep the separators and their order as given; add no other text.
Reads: 8 h 27 min
